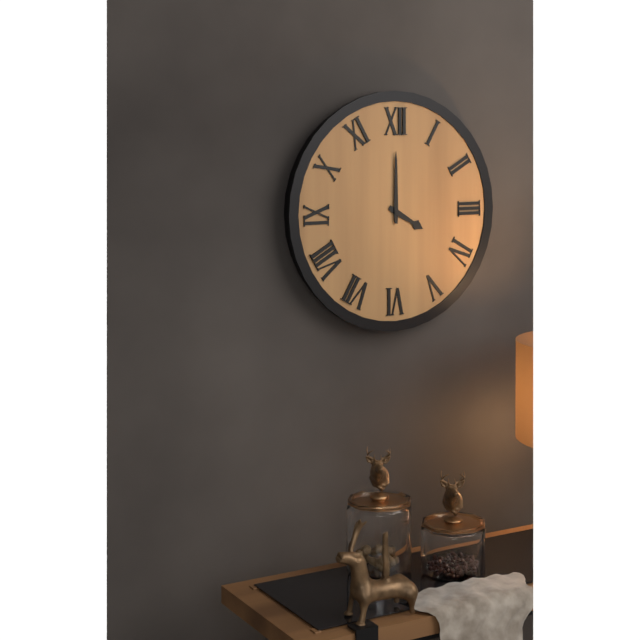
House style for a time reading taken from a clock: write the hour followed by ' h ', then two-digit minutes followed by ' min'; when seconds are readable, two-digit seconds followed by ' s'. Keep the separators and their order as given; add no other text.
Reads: 4 h 00 min
